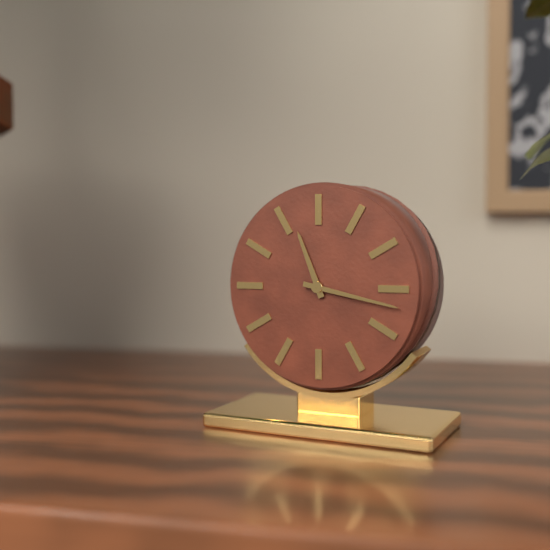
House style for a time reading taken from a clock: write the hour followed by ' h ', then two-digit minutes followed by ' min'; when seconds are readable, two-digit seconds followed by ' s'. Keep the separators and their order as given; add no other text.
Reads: 11 h 17 min
